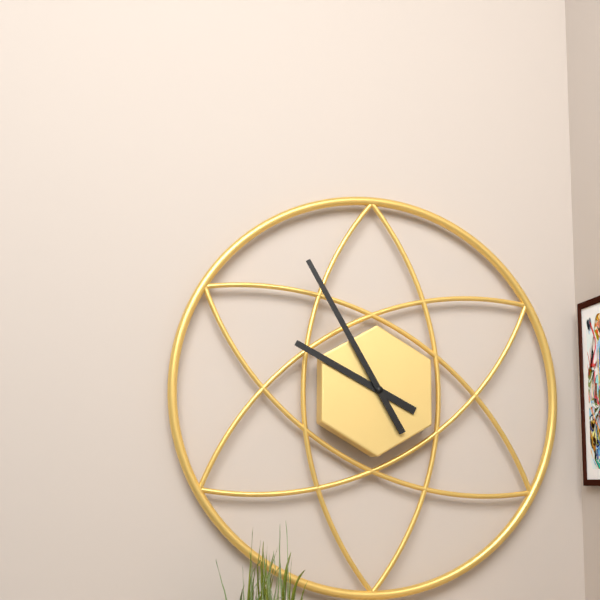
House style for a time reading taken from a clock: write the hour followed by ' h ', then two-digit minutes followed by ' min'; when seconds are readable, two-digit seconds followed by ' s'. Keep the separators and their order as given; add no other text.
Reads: 9 h 55 min
